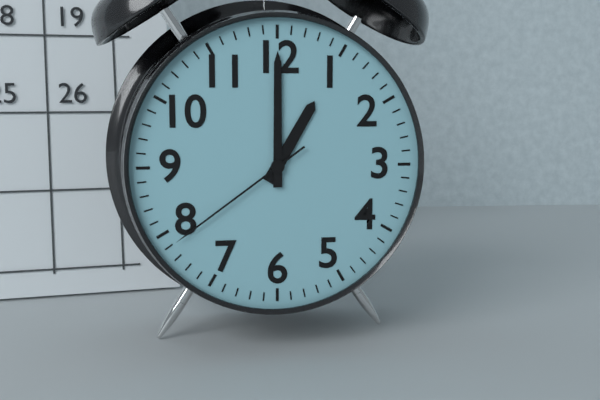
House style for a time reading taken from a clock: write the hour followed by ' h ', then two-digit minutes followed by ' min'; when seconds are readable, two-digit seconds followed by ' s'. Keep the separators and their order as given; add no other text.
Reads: 1 h 00 min 39 s
